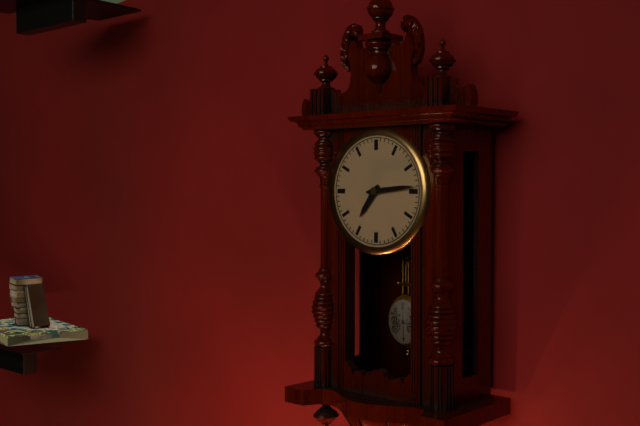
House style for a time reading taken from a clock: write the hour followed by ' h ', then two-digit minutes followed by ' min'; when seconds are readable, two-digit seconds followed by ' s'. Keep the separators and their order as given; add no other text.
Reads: 7 h 14 min
